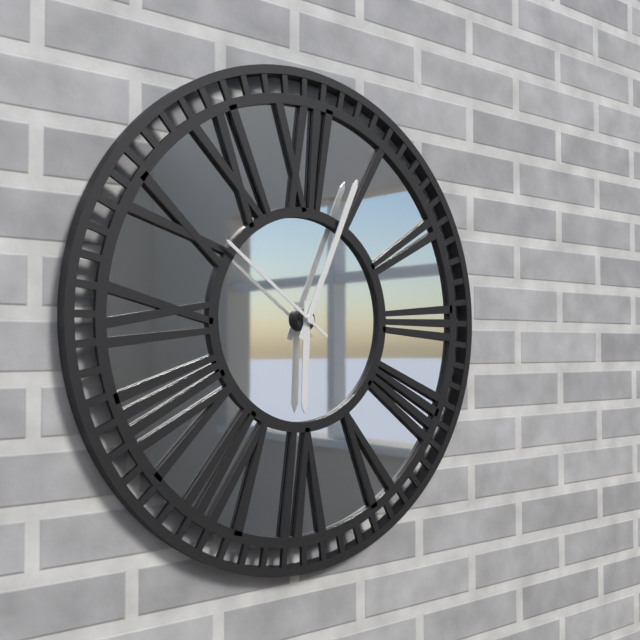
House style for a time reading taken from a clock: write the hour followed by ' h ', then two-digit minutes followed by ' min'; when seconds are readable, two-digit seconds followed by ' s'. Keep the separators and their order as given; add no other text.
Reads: 6 h 04 min 51 s
